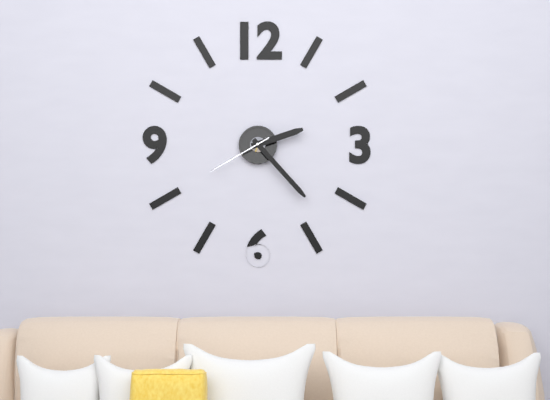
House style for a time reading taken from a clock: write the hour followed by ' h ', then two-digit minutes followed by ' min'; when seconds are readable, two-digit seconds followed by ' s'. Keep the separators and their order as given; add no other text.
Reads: 2 h 23 min 40 s
